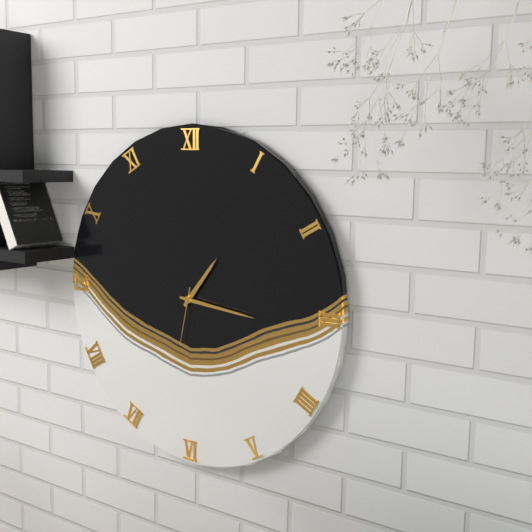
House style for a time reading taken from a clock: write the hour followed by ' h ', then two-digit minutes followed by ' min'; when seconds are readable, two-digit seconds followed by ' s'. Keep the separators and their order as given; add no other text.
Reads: 1 h 16 min 32 s
